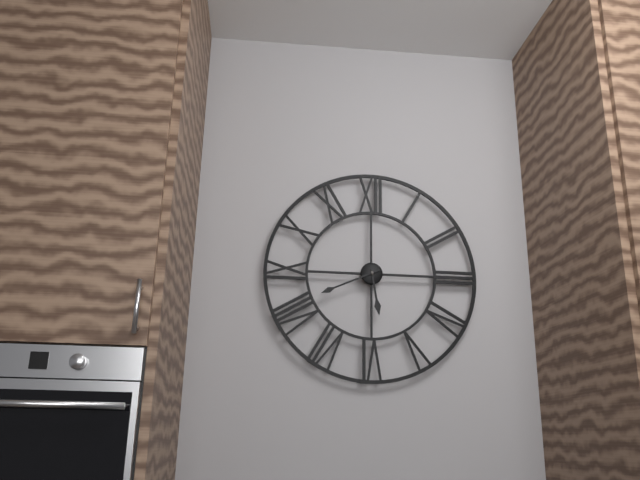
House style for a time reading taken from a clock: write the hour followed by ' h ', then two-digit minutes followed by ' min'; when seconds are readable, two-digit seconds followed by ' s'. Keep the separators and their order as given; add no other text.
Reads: 5 h 41 min
